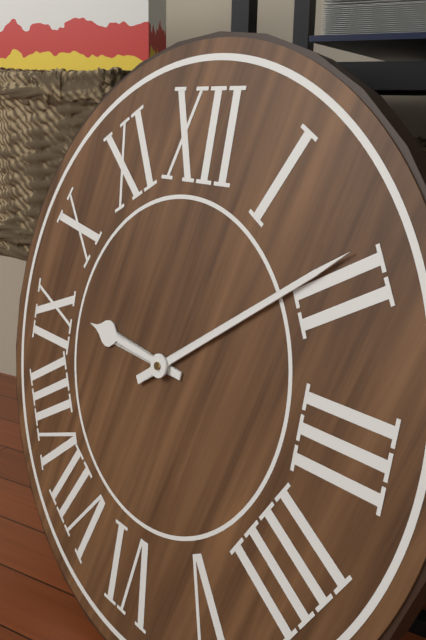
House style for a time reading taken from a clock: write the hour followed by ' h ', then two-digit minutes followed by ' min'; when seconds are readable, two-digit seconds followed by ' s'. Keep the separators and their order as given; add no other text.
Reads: 9 h 09 min
